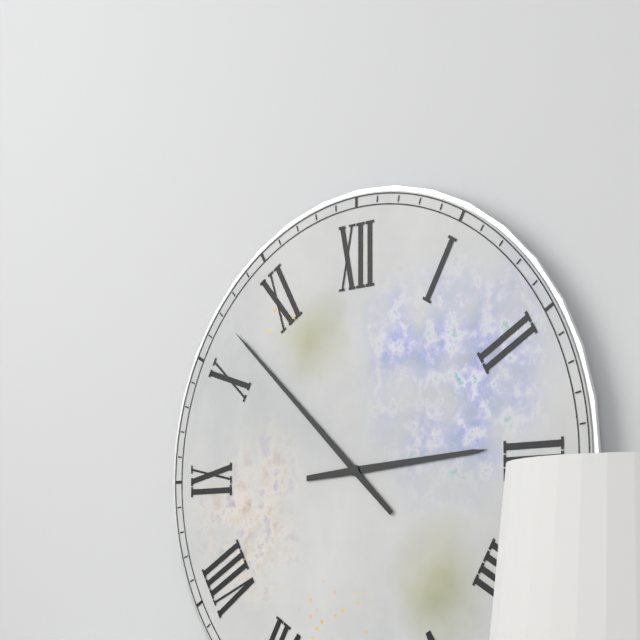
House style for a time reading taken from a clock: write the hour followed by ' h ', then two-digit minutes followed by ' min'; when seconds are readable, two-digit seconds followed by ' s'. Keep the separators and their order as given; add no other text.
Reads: 2 h 52 min
